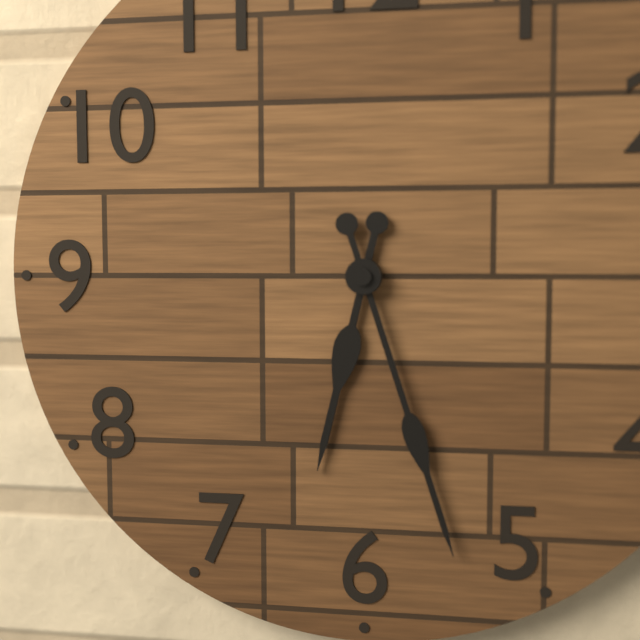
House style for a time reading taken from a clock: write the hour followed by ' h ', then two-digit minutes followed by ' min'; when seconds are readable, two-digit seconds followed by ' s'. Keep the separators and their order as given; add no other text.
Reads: 6 h 27 min
